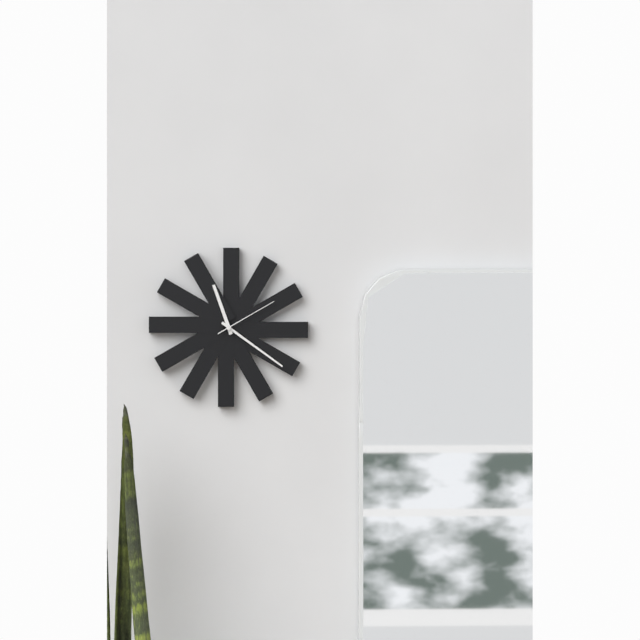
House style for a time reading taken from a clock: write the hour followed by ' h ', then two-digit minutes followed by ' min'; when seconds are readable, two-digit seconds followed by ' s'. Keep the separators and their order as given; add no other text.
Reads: 11 h 21 min 10 s
